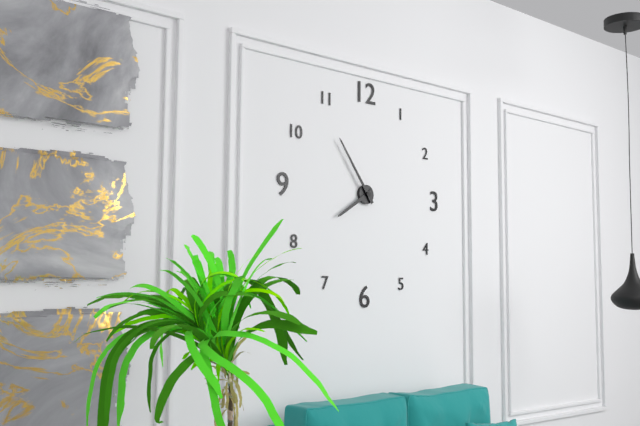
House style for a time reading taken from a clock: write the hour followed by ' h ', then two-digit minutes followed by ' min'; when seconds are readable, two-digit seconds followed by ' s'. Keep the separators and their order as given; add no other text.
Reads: 7 h 54 min
